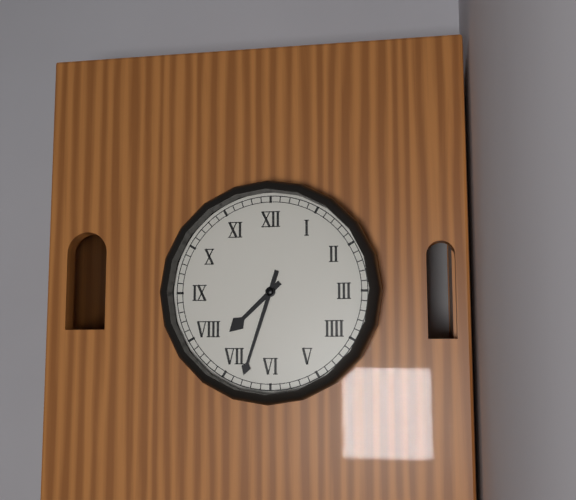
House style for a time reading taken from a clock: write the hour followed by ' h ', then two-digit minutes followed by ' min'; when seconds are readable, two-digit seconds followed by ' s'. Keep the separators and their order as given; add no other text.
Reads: 7 h 33 min
